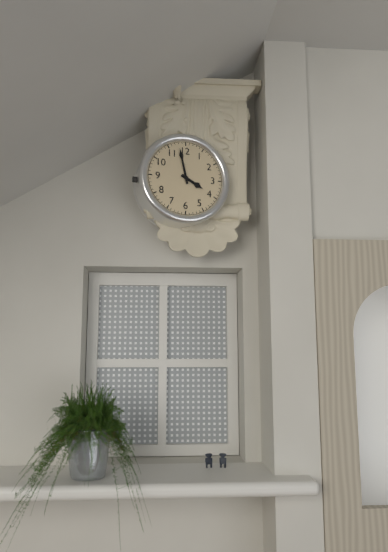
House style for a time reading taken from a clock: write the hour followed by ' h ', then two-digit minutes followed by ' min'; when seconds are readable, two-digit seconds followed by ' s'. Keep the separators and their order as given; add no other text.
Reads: 3 h 58 min
